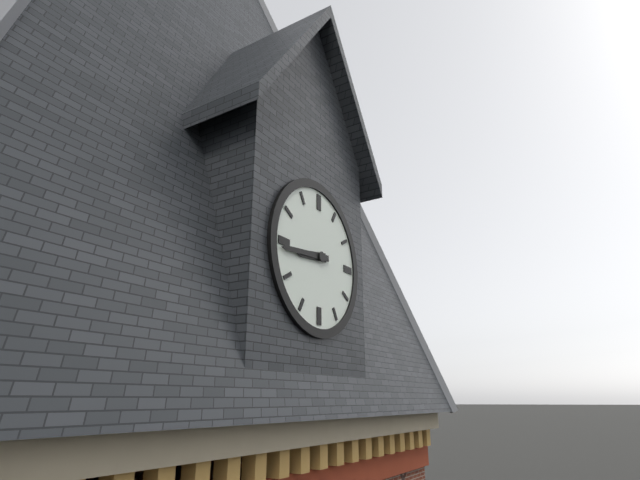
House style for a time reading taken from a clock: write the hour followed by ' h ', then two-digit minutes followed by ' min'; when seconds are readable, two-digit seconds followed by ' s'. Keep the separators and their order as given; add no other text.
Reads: 8 h 44 min
